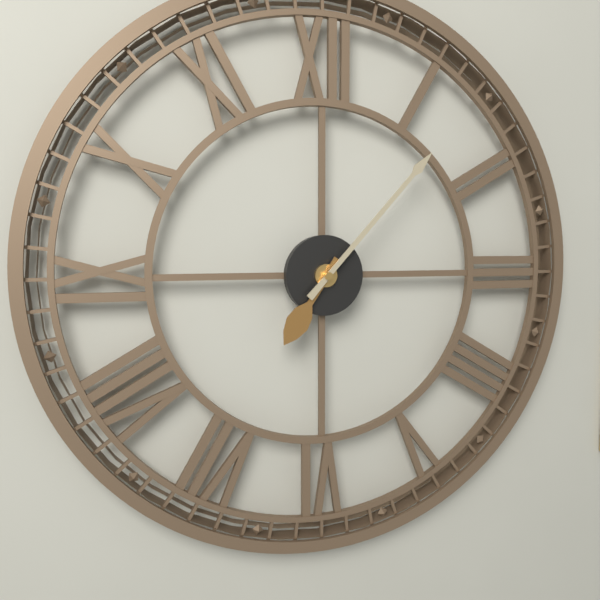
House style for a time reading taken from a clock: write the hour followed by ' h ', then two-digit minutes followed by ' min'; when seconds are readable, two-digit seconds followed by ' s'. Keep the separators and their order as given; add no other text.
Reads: 7 h 07 min
